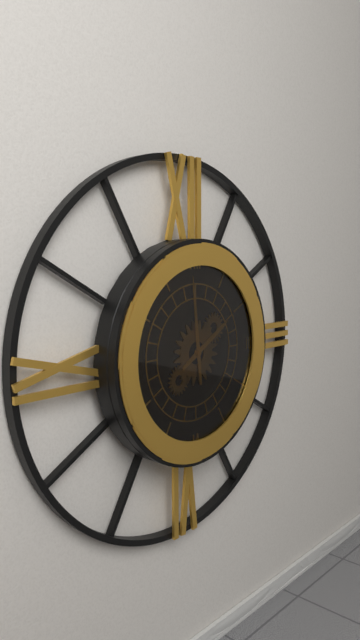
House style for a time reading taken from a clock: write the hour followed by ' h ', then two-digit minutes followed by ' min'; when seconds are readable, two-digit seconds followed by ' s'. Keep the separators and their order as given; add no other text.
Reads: 1 h 59 min
